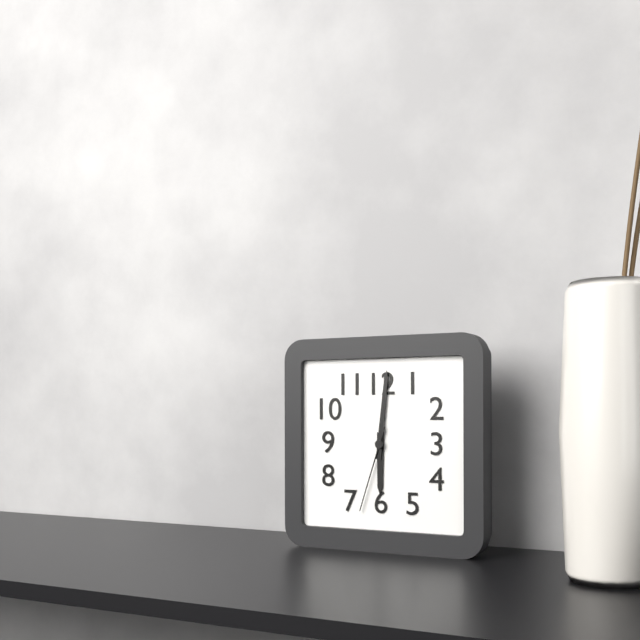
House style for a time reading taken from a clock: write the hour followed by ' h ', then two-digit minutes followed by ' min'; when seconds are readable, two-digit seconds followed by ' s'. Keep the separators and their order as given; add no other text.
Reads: 6 h 01 min 33 s
